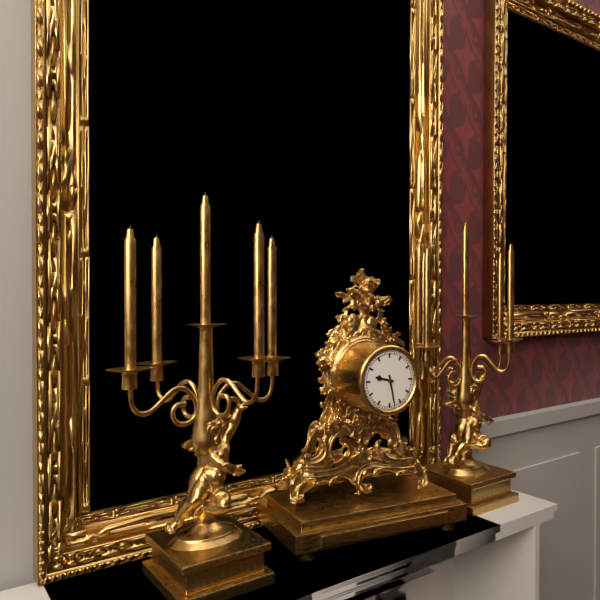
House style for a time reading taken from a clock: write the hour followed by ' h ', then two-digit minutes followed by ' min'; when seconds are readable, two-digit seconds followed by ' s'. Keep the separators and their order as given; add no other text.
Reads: 9 h 28 min
